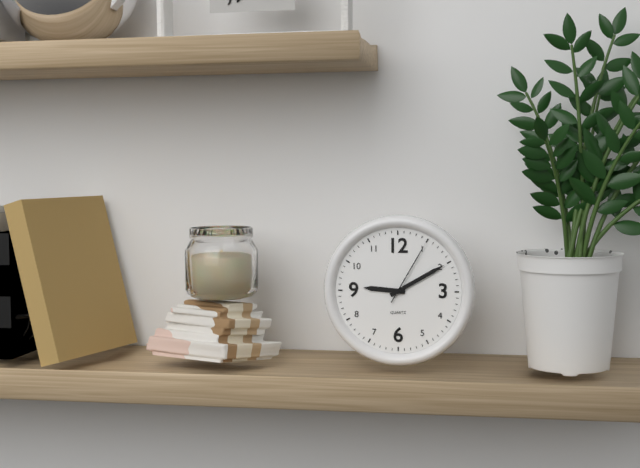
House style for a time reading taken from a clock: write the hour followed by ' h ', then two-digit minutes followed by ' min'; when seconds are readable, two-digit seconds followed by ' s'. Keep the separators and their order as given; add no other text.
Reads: 9 h 10 min 05 s
